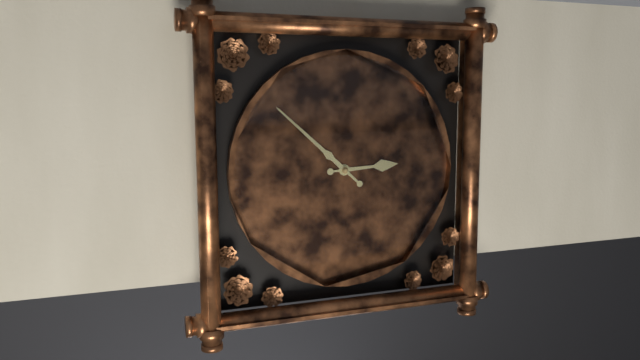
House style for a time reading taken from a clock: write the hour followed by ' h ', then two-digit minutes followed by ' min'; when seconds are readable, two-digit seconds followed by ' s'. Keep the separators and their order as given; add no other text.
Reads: 2 h 52 min
